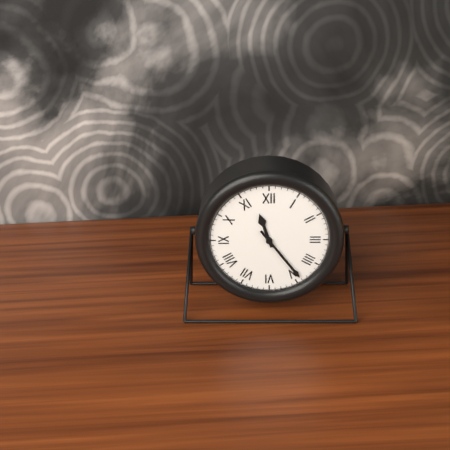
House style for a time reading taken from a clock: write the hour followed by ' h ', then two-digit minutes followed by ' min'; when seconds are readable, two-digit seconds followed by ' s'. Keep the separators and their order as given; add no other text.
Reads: 11 h 24 min
